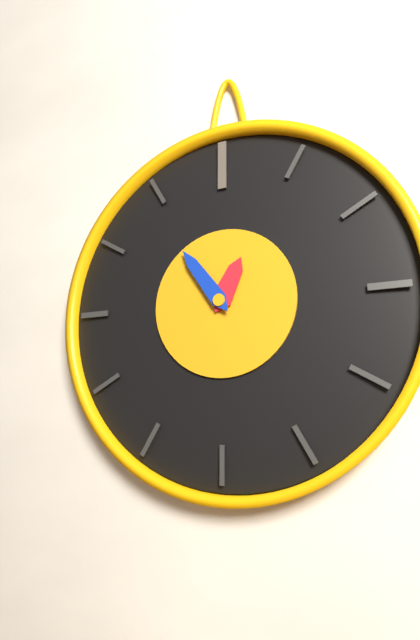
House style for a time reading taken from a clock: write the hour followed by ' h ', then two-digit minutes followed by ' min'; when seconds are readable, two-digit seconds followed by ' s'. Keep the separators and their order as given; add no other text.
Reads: 12 h 54 min
